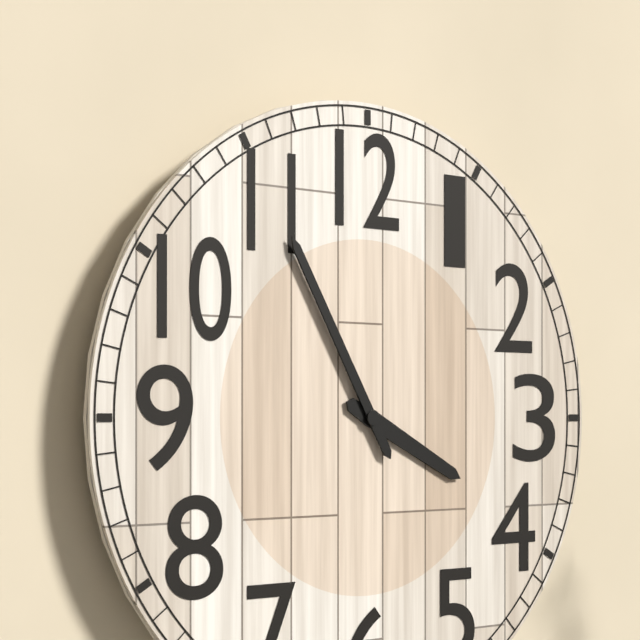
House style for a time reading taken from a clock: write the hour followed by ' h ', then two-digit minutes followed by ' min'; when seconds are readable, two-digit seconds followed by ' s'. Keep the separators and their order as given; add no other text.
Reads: 3 h 55 min
